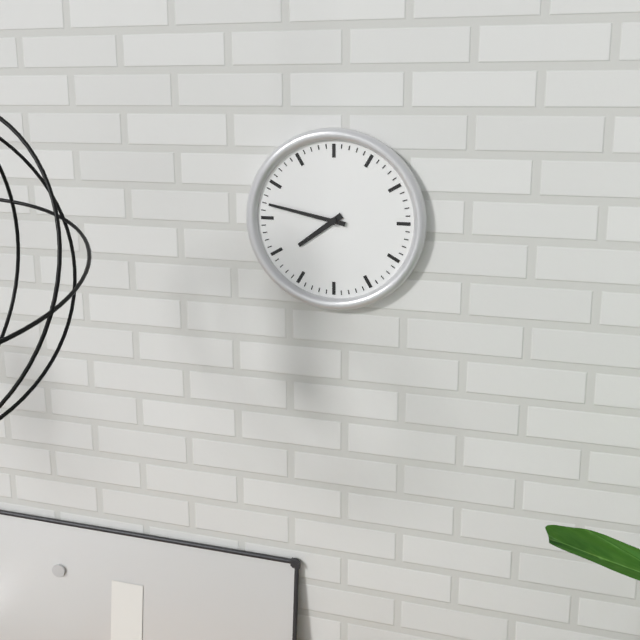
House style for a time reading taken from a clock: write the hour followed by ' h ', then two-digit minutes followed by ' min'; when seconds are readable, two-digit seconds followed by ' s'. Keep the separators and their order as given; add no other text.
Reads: 7 h 47 min
